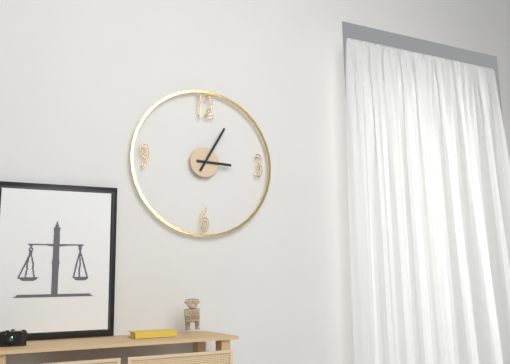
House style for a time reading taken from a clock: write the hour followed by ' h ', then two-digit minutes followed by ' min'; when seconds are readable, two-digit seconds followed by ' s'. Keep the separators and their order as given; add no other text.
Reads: 3 h 05 min
